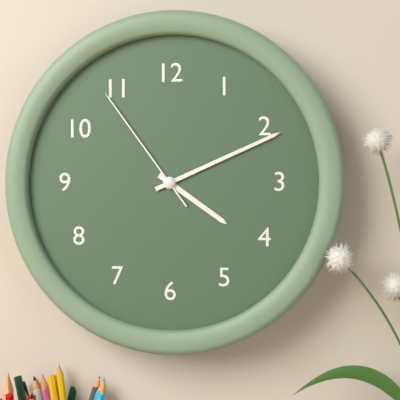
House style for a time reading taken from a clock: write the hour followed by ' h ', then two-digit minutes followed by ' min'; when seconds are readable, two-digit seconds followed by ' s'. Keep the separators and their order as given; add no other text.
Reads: 4 h 11 min 54 s
